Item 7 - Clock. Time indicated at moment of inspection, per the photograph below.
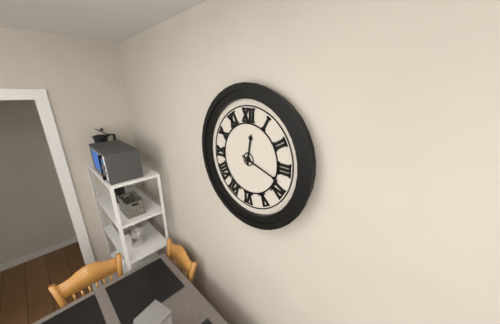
12:18
